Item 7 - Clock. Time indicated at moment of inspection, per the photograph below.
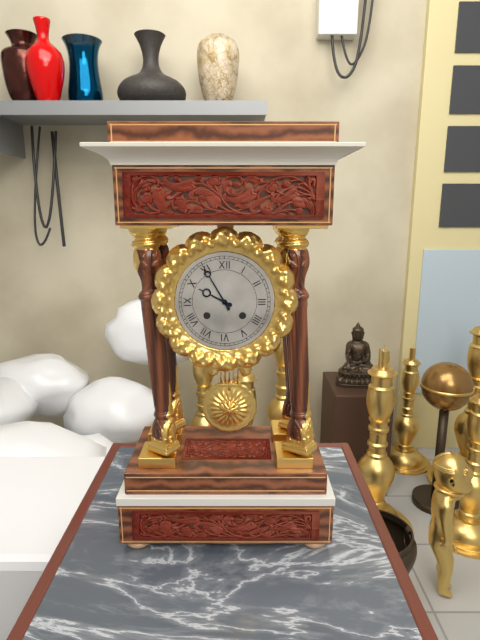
9:55
